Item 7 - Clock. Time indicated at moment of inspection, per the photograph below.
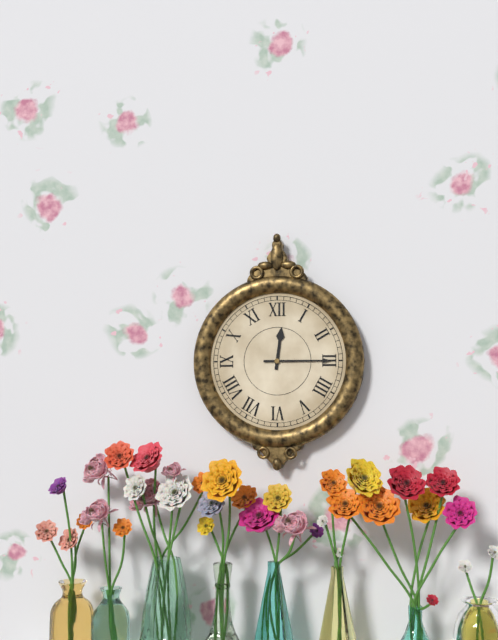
12:15
